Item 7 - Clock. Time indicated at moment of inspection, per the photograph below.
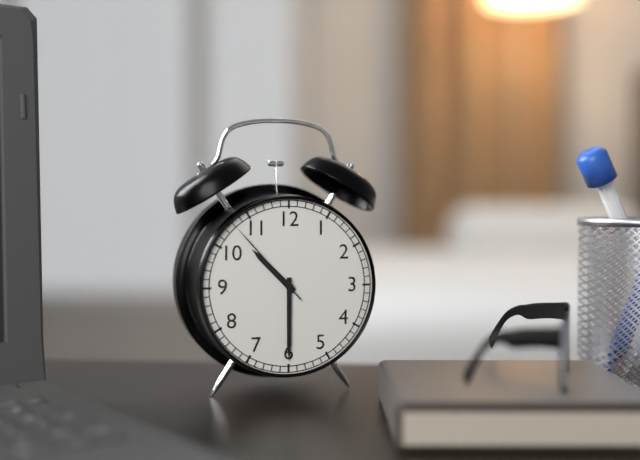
10:30:53
